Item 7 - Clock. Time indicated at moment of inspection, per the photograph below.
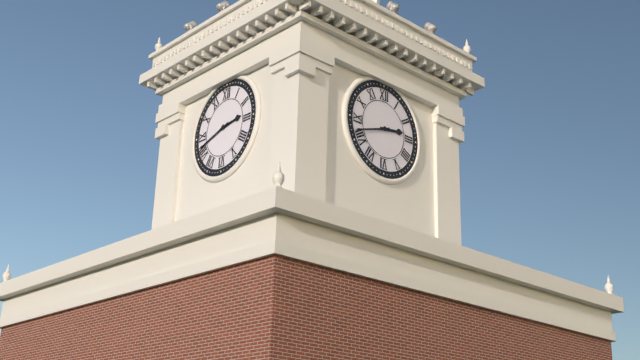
2:42
